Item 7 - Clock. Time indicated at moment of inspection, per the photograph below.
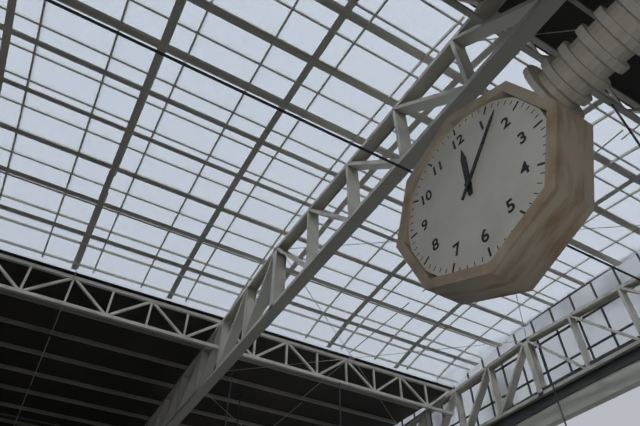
12:07
